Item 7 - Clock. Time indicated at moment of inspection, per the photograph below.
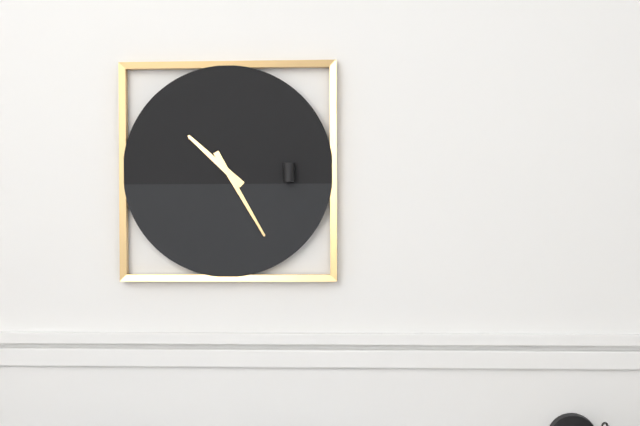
10:25
